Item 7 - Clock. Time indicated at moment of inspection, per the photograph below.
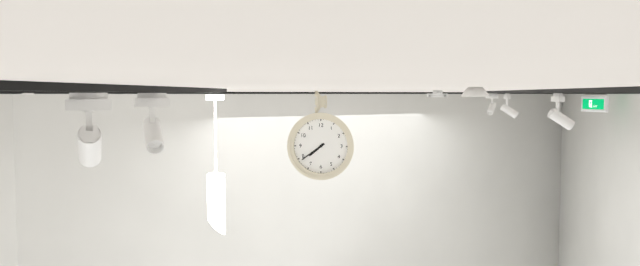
7:39
